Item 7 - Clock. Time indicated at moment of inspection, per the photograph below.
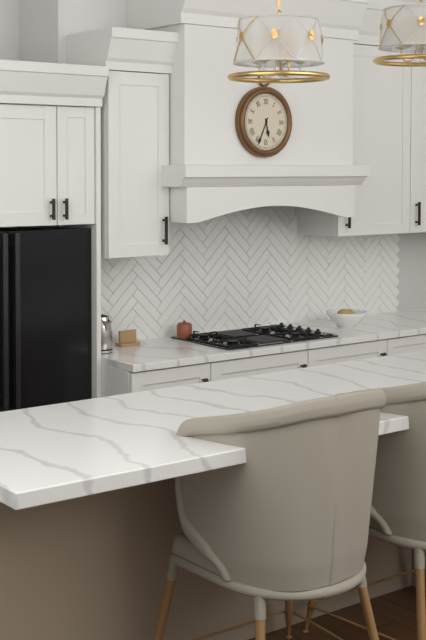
5:34
